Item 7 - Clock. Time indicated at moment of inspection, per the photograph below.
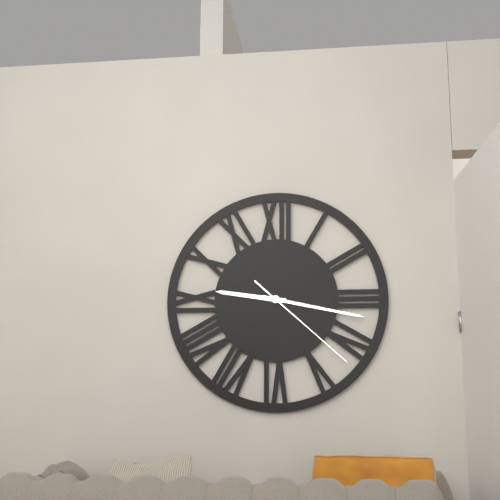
9:17:22
